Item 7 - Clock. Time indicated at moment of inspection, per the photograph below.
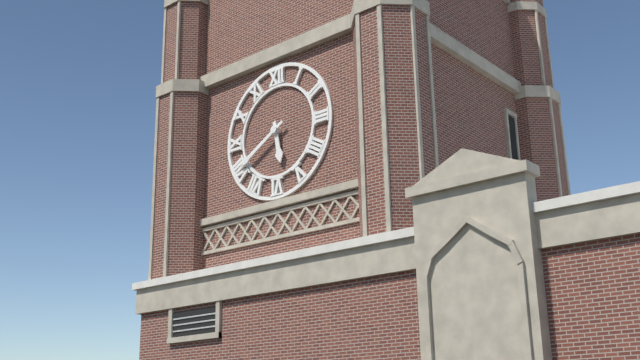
5:40
